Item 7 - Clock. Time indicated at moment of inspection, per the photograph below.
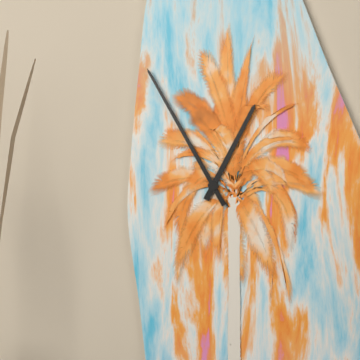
12:55
